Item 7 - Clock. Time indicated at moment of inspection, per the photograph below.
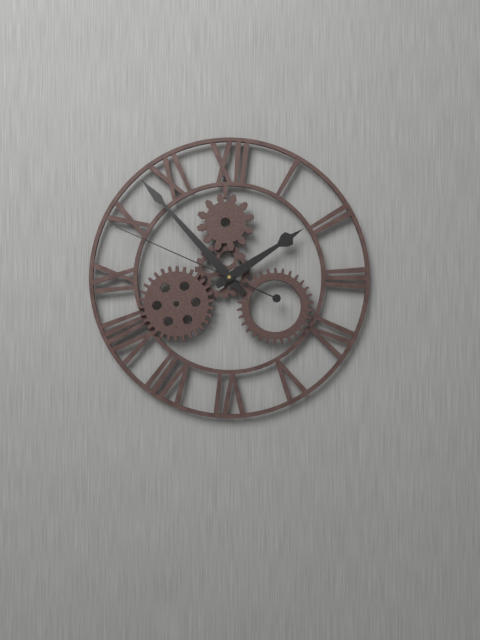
1:53:49
